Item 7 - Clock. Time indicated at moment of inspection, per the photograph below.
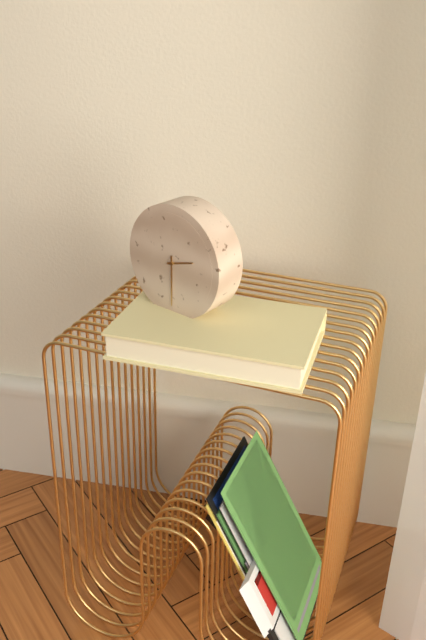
2:30
